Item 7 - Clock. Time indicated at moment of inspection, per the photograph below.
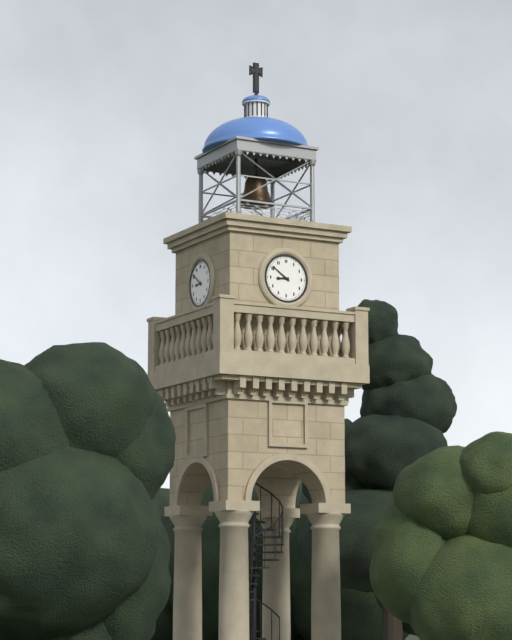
8:51
